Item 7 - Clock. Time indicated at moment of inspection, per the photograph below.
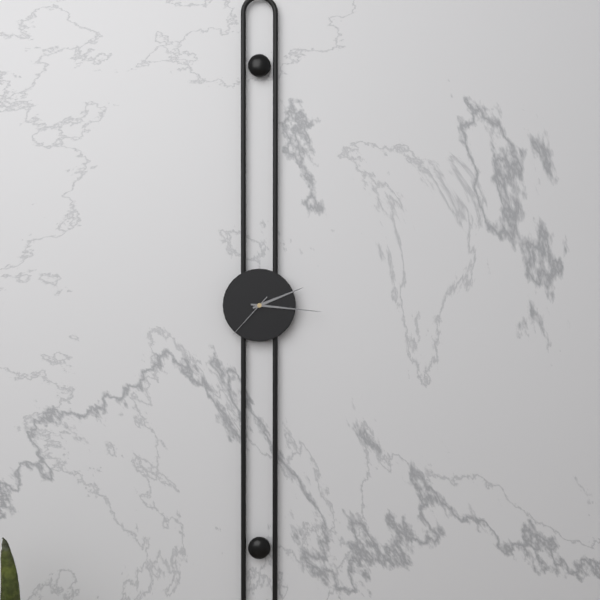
2:16:37
